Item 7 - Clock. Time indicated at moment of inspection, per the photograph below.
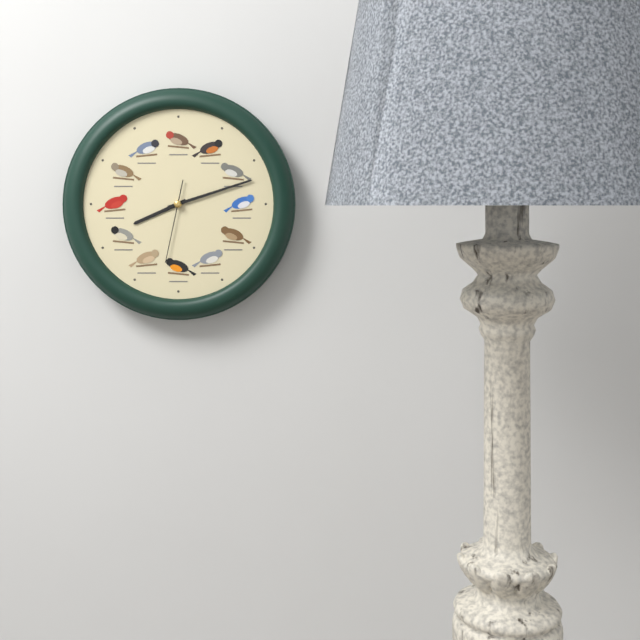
8:12:32
